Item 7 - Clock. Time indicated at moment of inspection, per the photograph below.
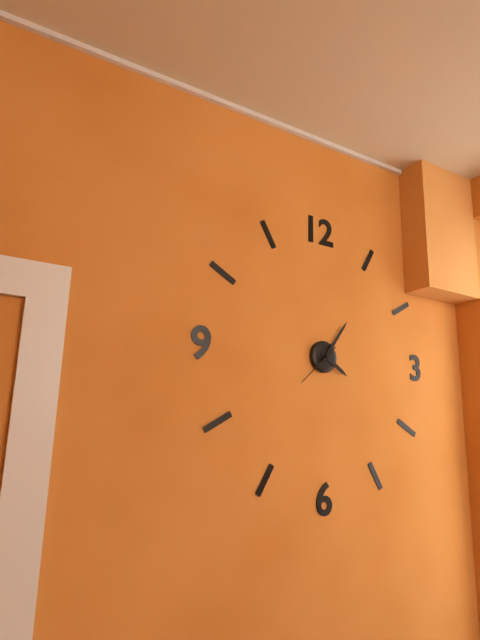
4:06
